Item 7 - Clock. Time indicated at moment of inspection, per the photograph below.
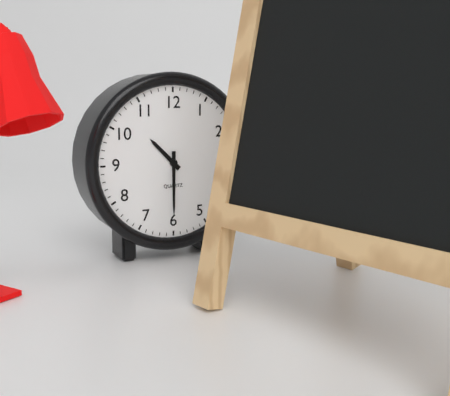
10:30
